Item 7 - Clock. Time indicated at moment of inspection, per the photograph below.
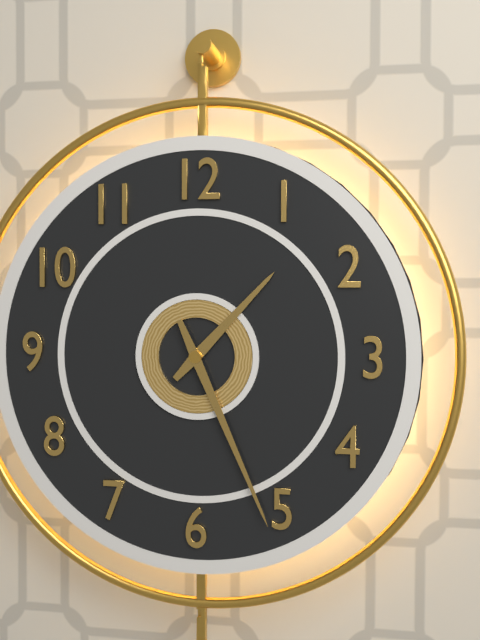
1:26
